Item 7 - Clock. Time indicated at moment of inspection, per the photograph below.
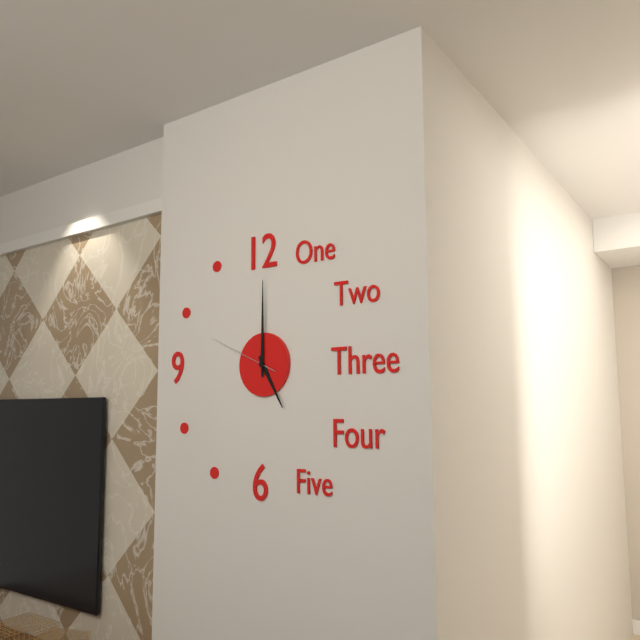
5:00:49
